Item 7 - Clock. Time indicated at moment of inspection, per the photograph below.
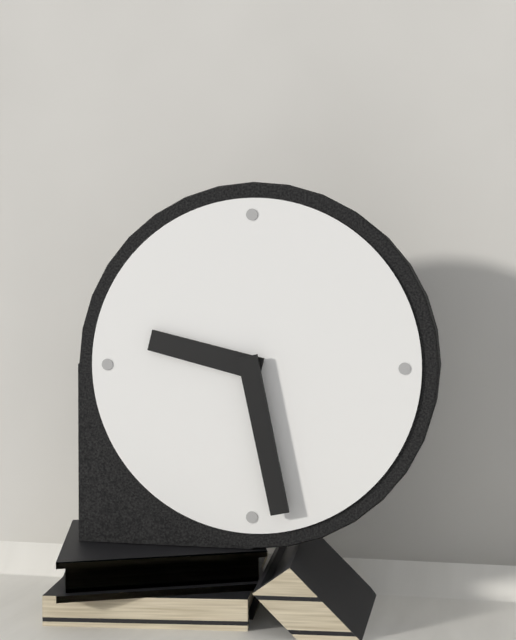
9:28
